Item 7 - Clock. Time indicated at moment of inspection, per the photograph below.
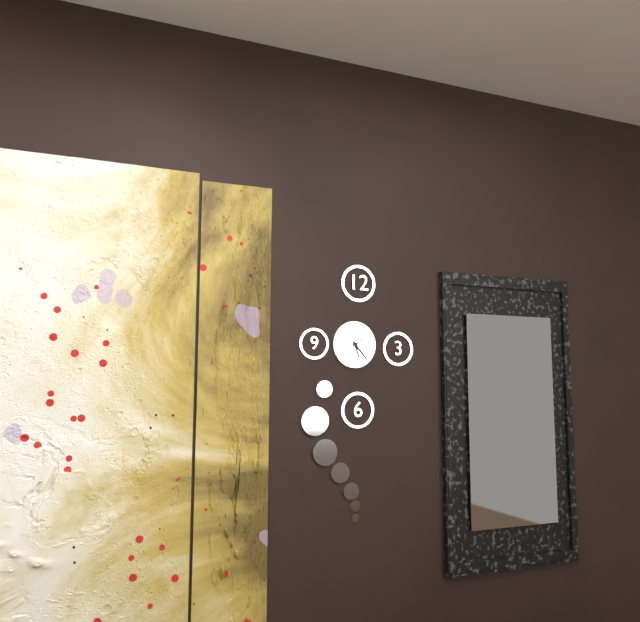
5:23
